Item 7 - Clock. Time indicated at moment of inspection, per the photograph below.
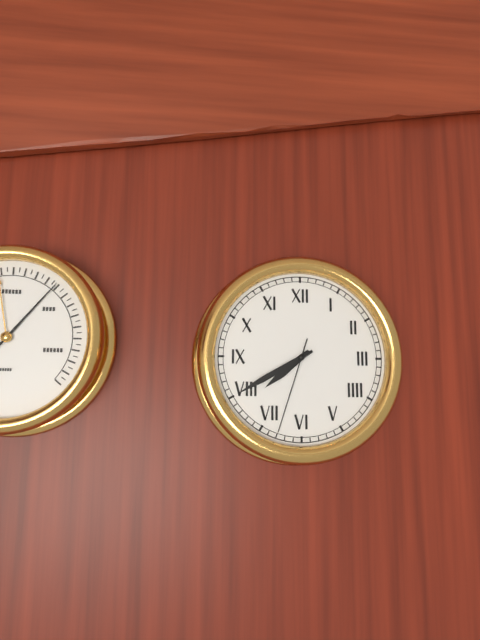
7:40:33
